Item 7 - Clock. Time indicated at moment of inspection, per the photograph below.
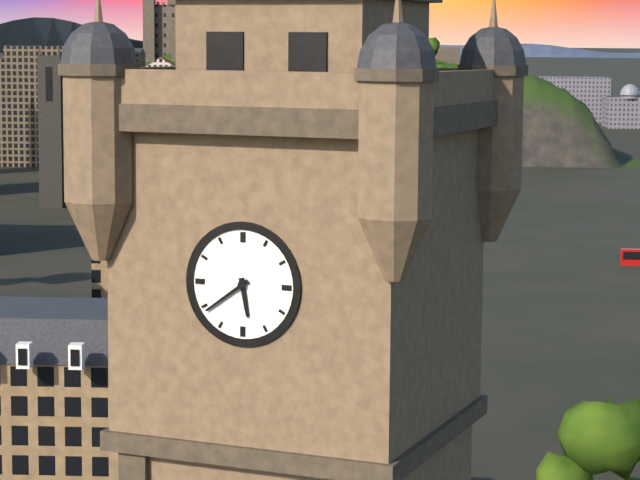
5:39
